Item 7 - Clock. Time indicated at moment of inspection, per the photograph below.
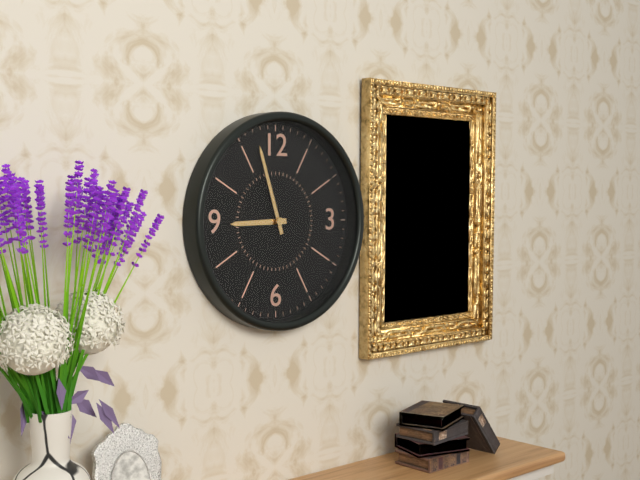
8:57
